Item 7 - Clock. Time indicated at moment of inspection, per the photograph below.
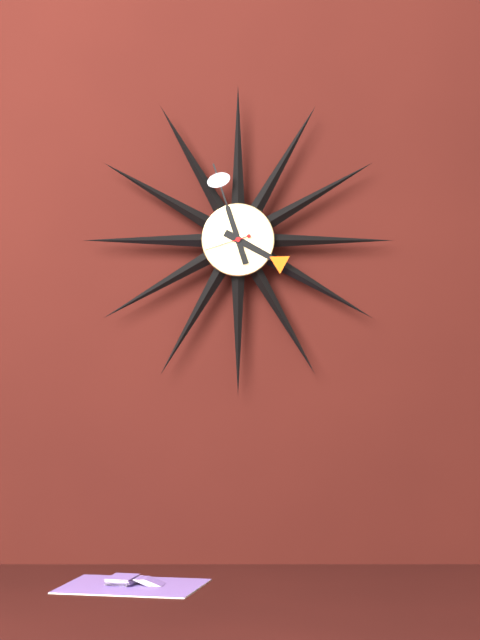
3:57
